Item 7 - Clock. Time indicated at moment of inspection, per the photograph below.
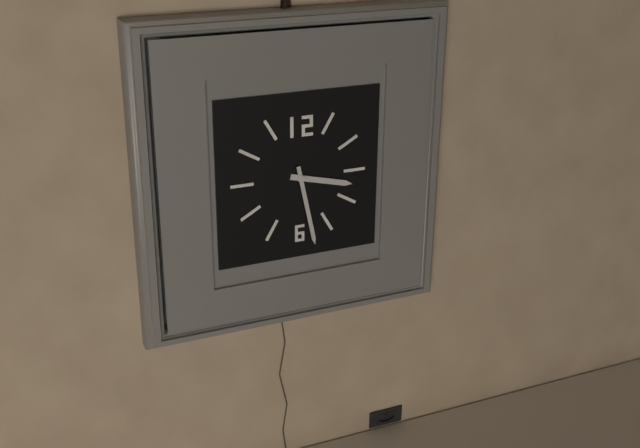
3:28
